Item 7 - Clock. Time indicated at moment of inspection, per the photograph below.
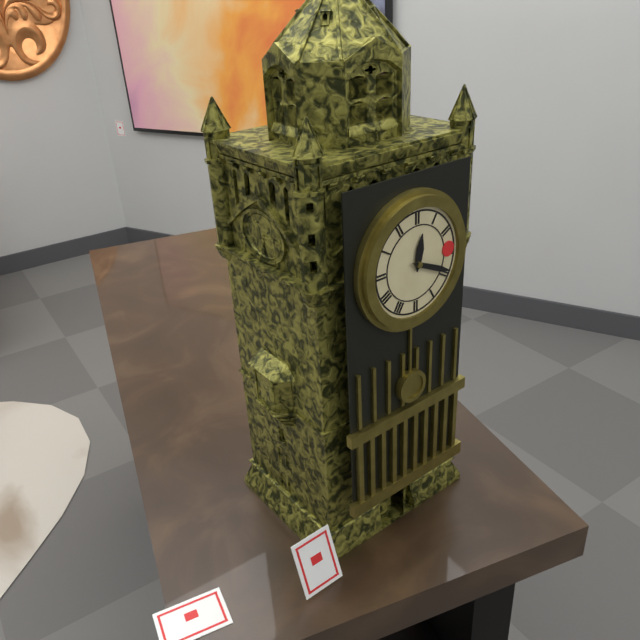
12:19
